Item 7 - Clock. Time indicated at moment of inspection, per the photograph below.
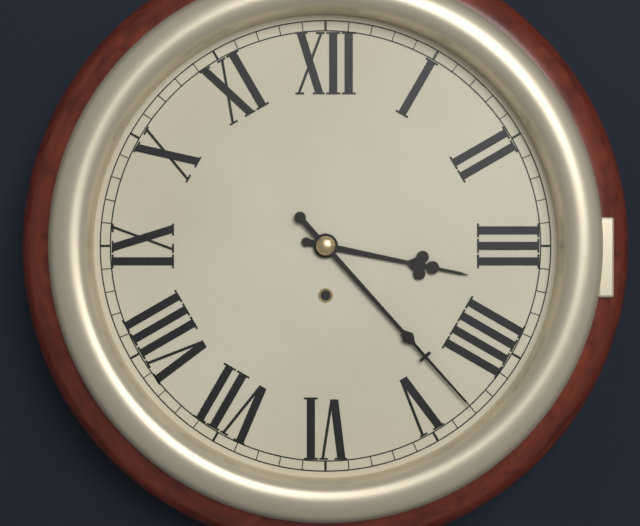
3:23
